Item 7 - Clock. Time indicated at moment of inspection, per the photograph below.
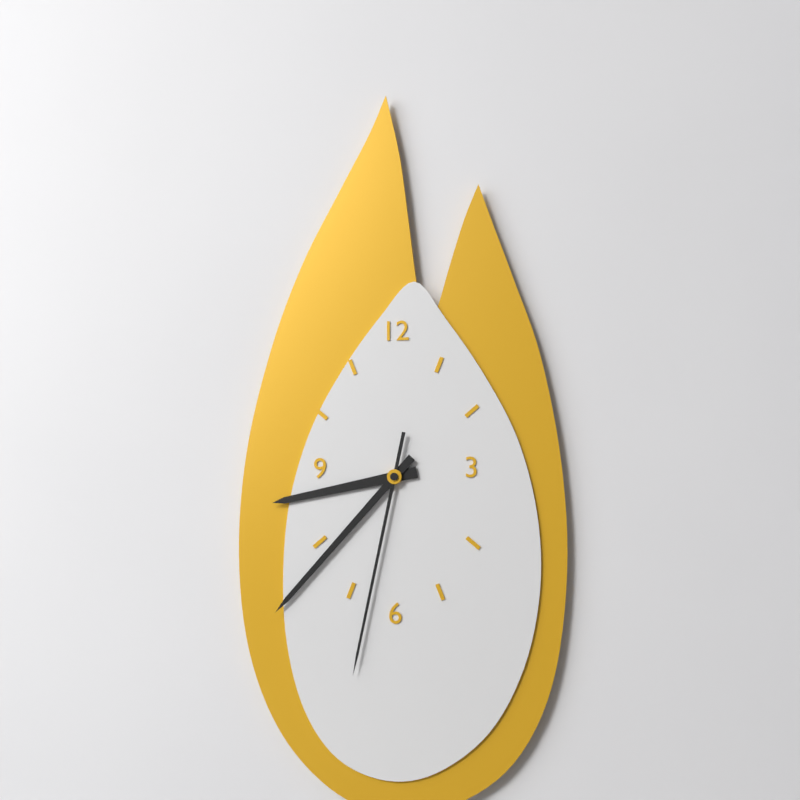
8:37:32
